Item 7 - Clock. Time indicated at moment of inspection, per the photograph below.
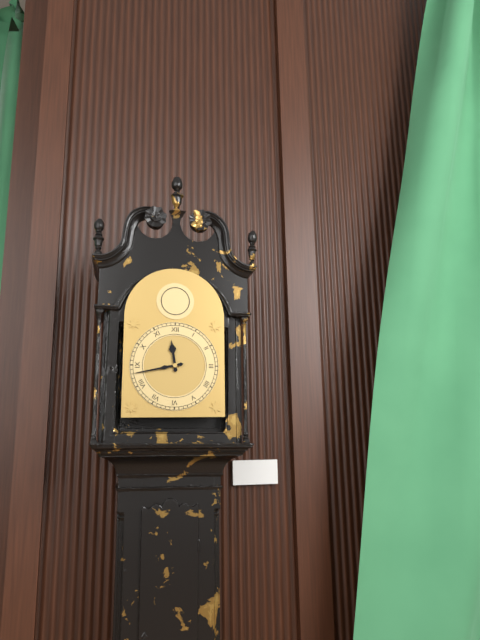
11:43
